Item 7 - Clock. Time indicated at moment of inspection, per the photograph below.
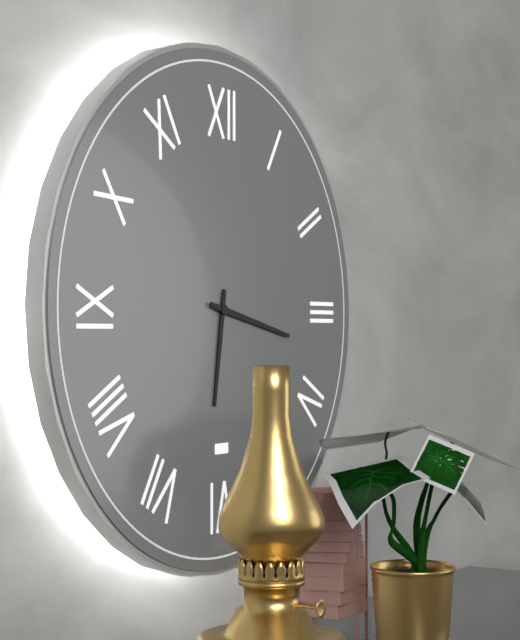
6:17
